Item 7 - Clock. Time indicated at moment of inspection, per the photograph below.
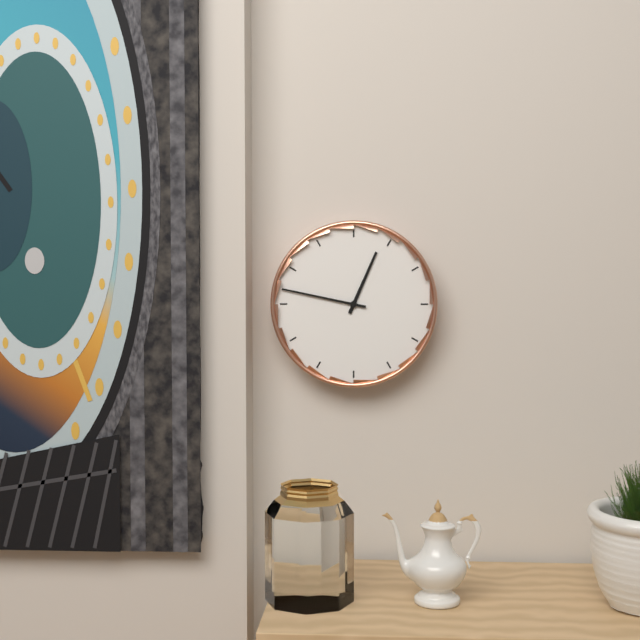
12:47
